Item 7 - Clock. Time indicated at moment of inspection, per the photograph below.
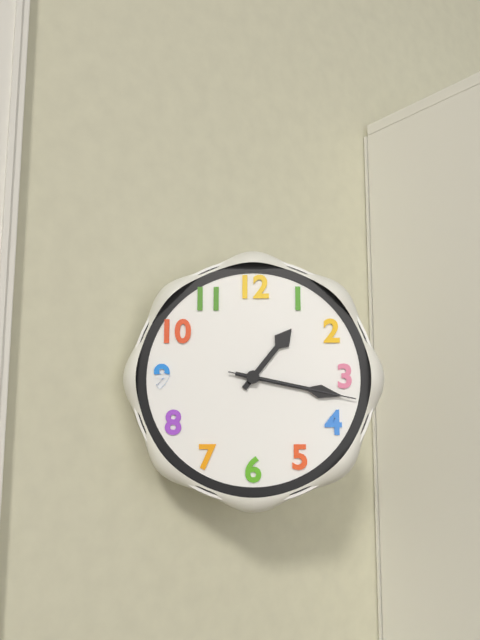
1:17:17
